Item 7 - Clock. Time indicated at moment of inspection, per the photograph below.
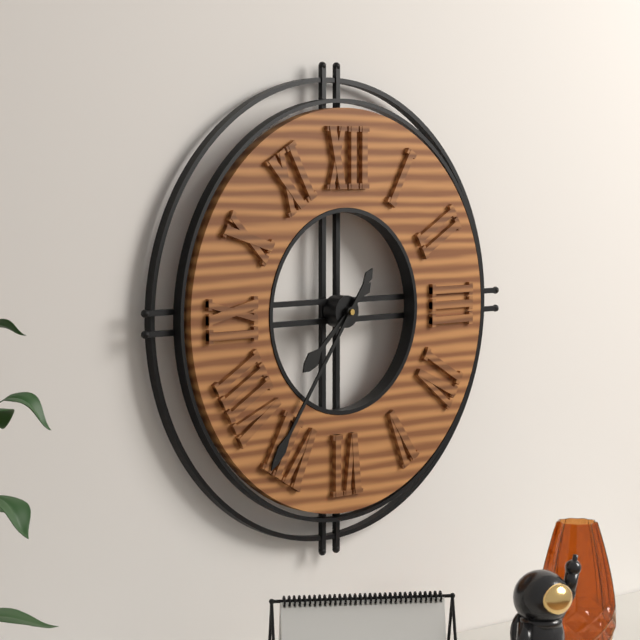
7:36
